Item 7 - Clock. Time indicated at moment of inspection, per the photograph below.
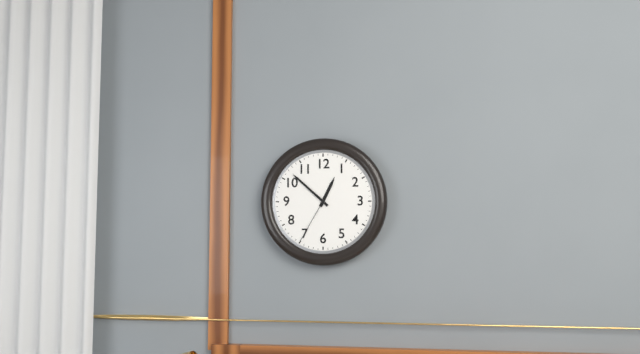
12:52:35
